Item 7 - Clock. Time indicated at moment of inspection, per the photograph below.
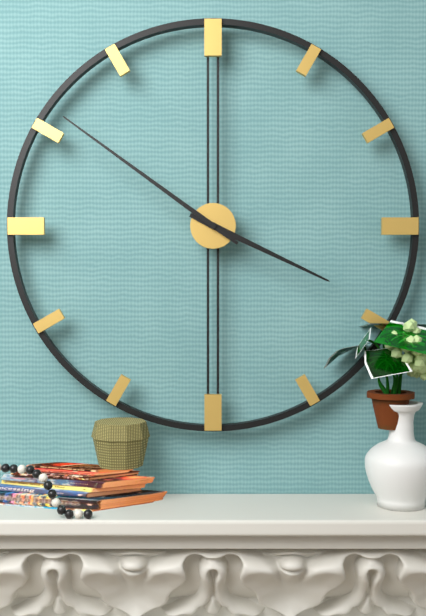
3:51
